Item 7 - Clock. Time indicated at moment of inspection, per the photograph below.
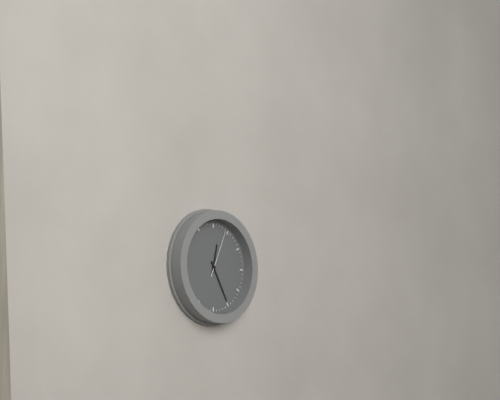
12:25
